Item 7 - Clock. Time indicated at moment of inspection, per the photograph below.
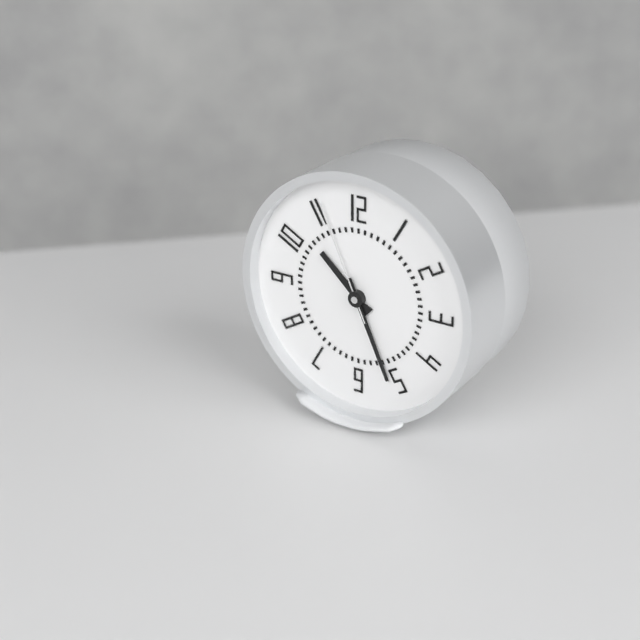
10:26:56
